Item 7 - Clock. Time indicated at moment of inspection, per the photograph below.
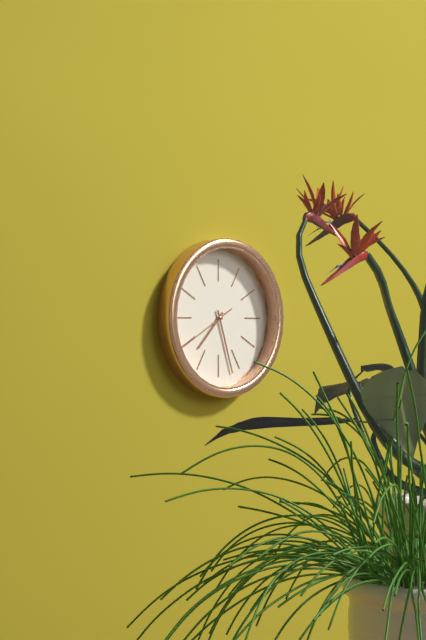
7:27:40
